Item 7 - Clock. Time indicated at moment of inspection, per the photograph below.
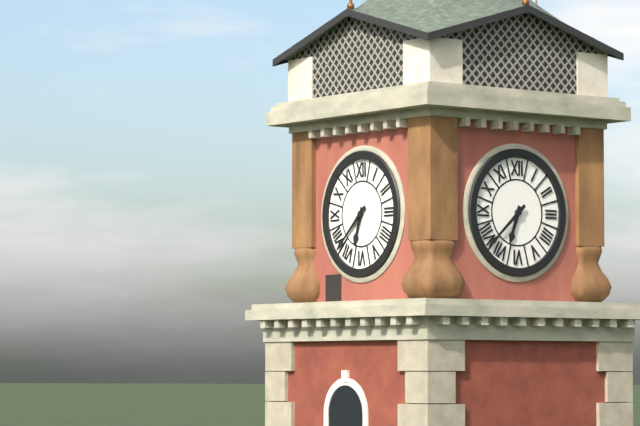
6:38
